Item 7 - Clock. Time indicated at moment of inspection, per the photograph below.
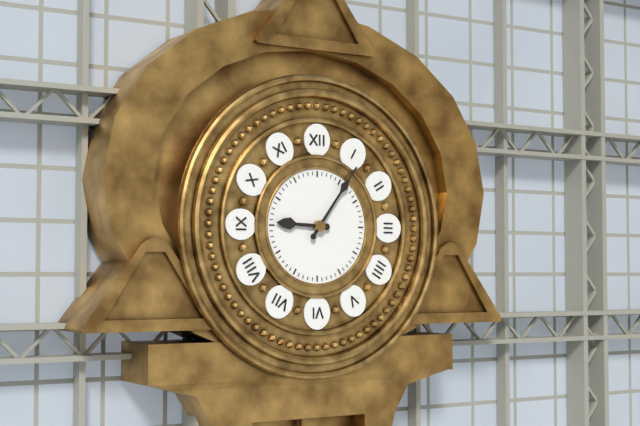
9:06
